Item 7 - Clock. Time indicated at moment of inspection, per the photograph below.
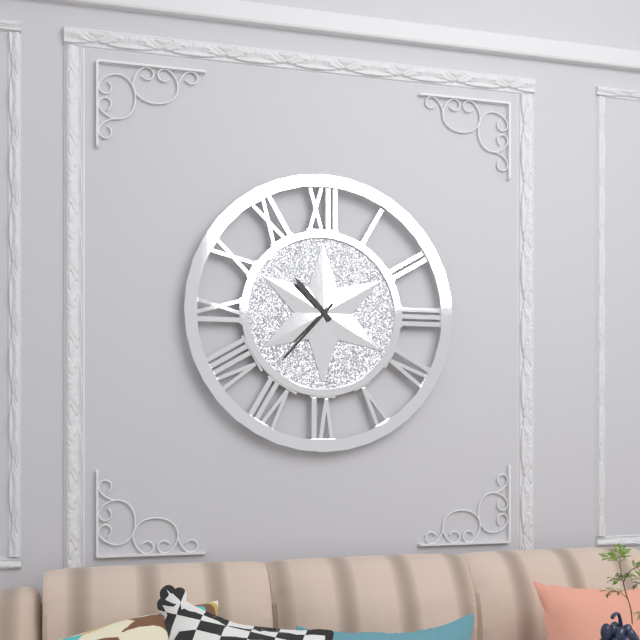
10:37
